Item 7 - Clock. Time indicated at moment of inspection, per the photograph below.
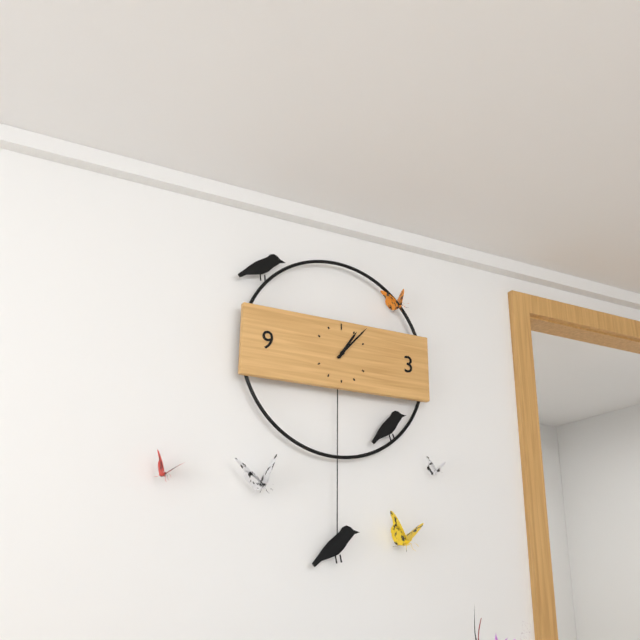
1:07
